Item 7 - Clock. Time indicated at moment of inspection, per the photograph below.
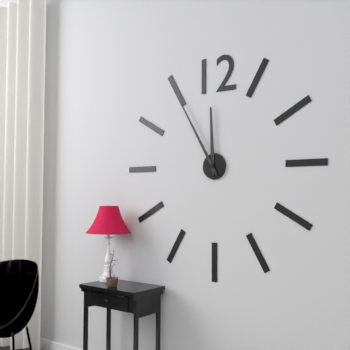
11:55
